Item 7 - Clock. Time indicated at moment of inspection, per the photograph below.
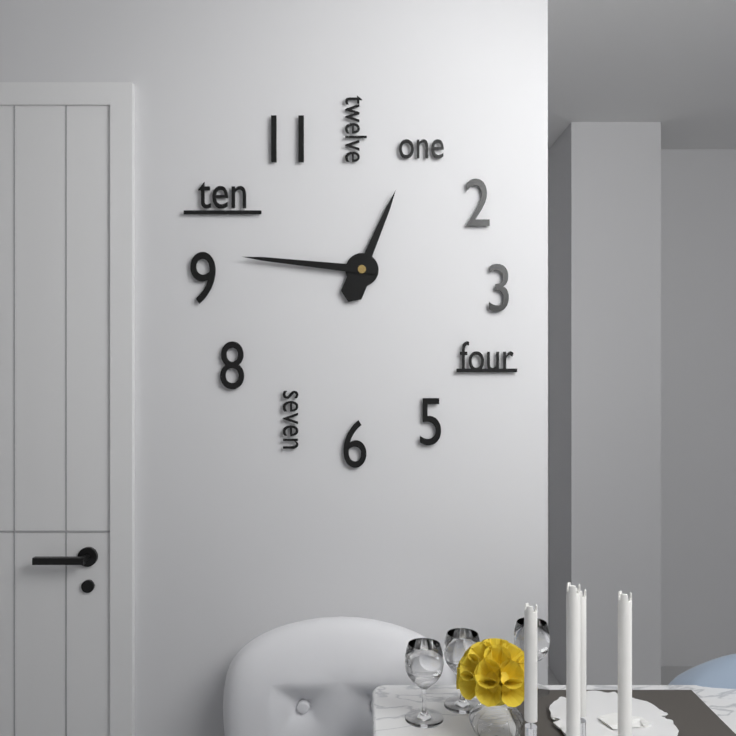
12:46
